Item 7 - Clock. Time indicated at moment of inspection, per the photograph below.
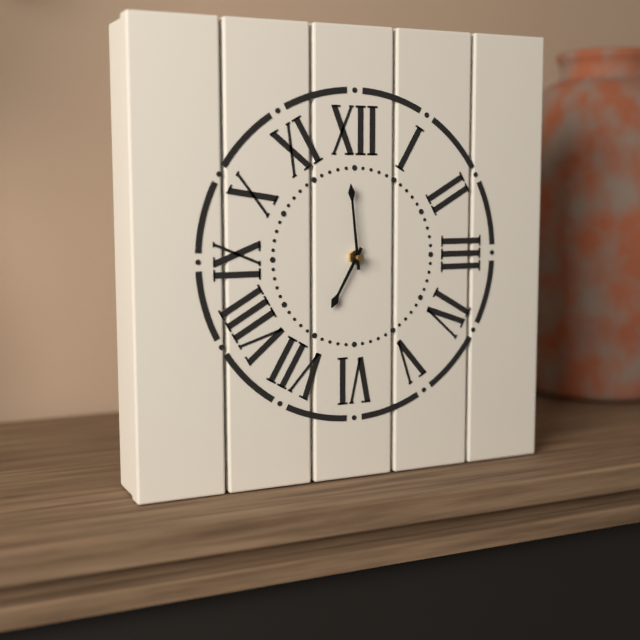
6:59
